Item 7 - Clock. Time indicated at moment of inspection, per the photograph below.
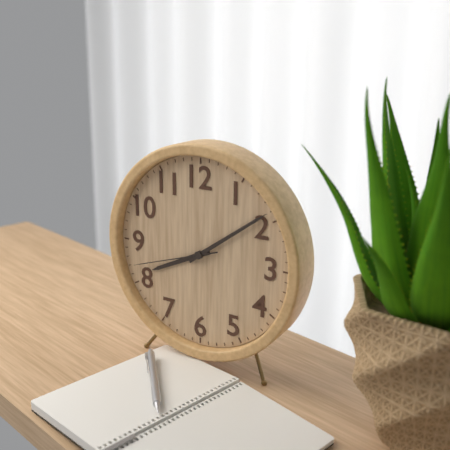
8:09:42
